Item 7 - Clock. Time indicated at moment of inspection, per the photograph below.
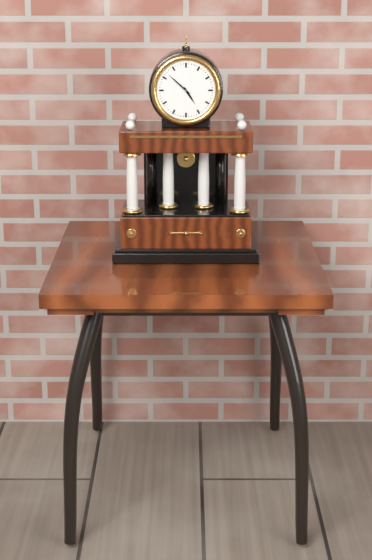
4:52
